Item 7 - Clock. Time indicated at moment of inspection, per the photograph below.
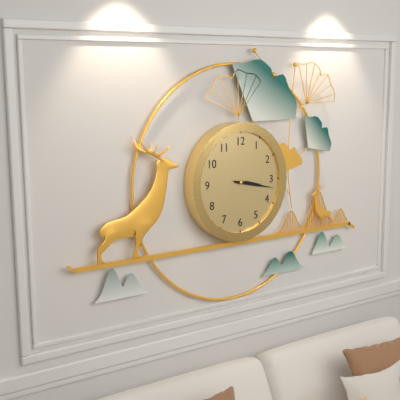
3:17
